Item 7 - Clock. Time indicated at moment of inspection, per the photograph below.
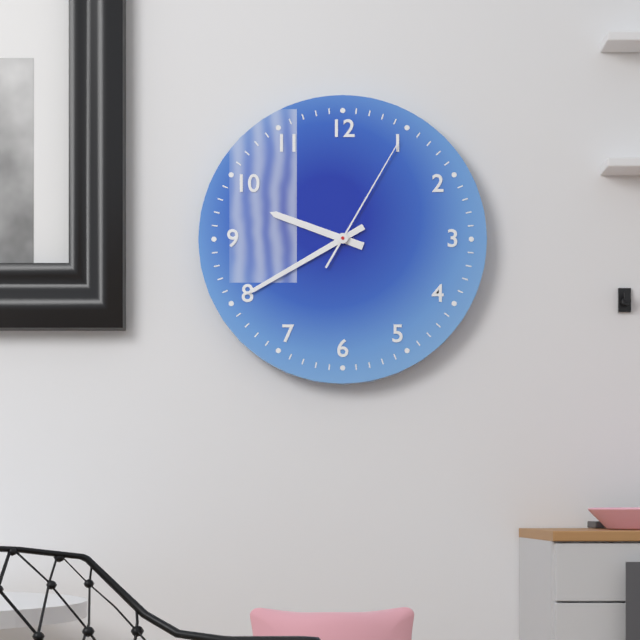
9:40:05
